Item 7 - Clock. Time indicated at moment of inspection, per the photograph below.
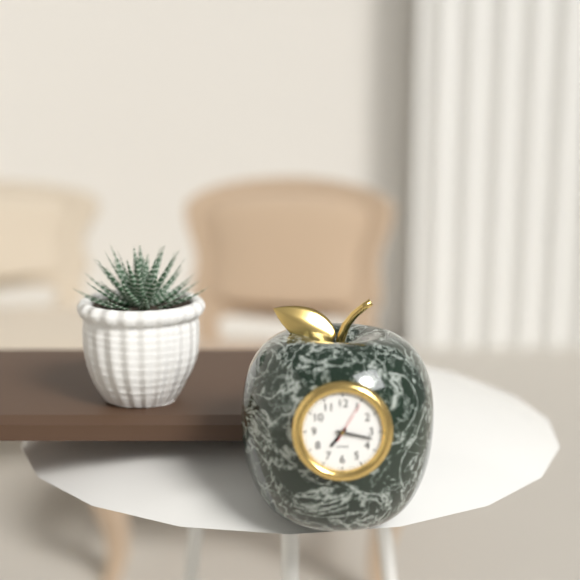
7:17
